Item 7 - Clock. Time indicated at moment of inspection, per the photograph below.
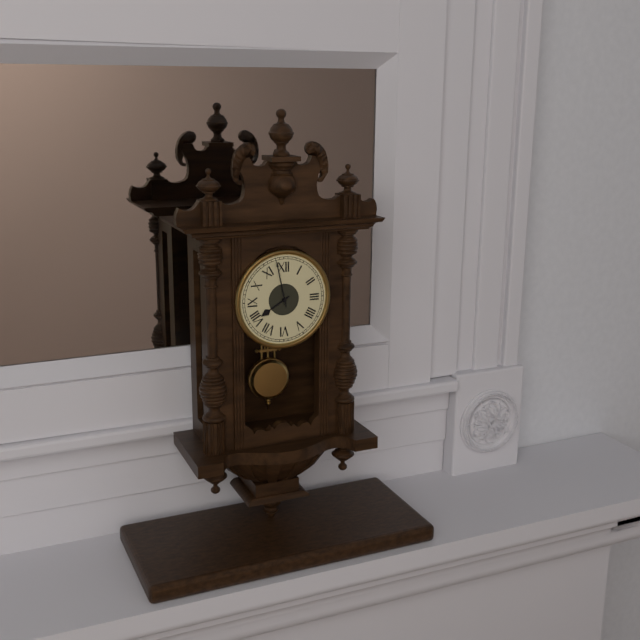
7:58
